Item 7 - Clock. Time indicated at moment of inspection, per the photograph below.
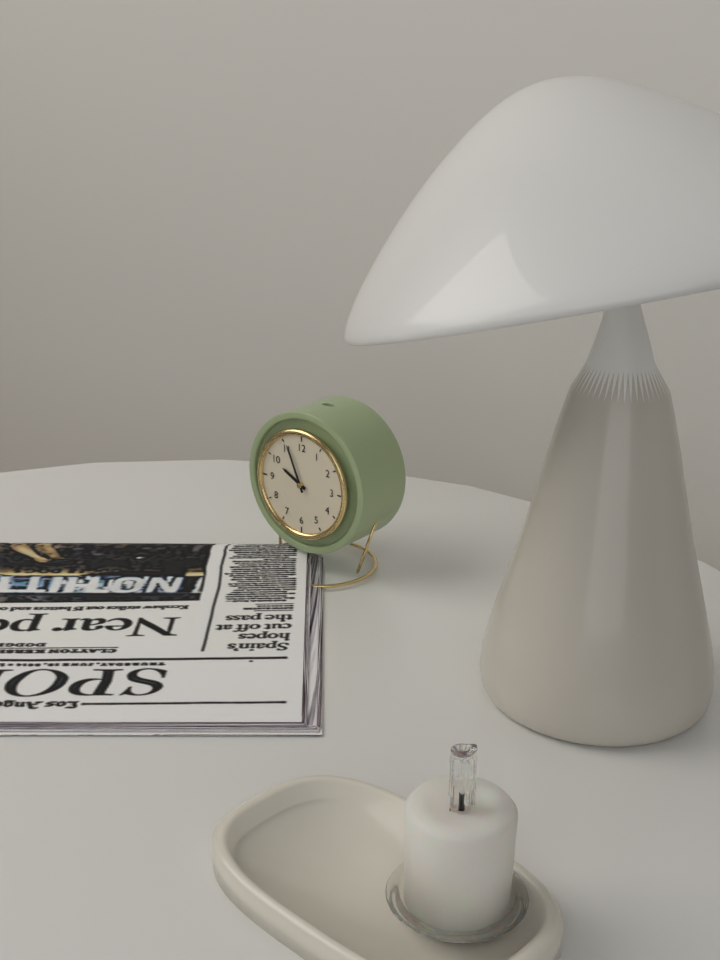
9:56
